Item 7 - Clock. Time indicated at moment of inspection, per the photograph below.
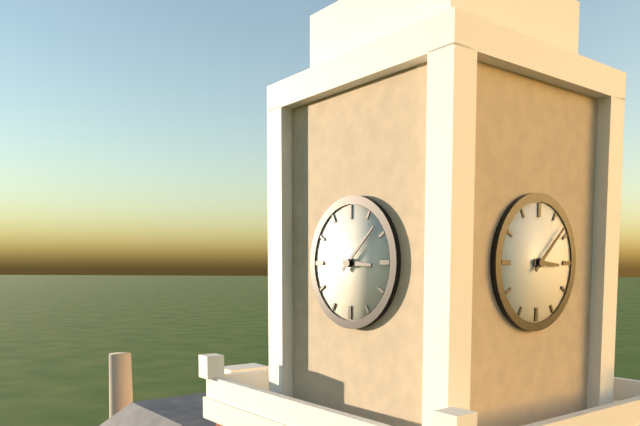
3:08
